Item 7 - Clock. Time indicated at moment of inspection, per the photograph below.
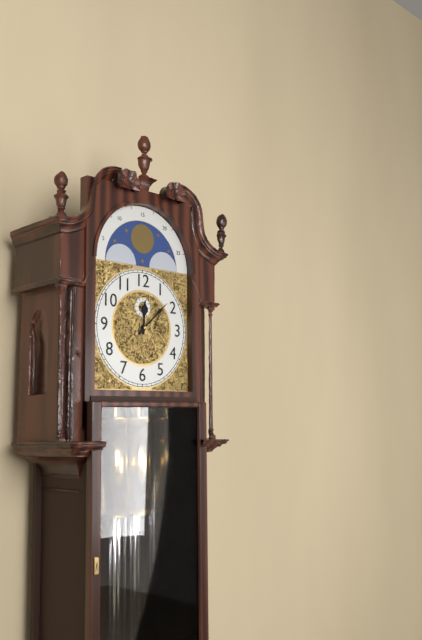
12:08
